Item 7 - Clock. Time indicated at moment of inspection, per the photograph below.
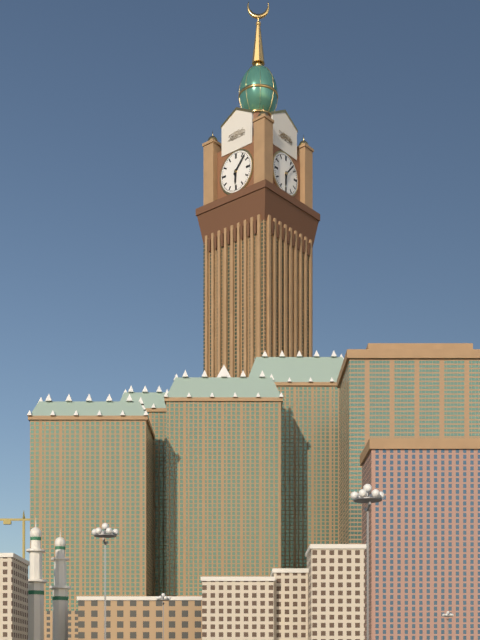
6:07
